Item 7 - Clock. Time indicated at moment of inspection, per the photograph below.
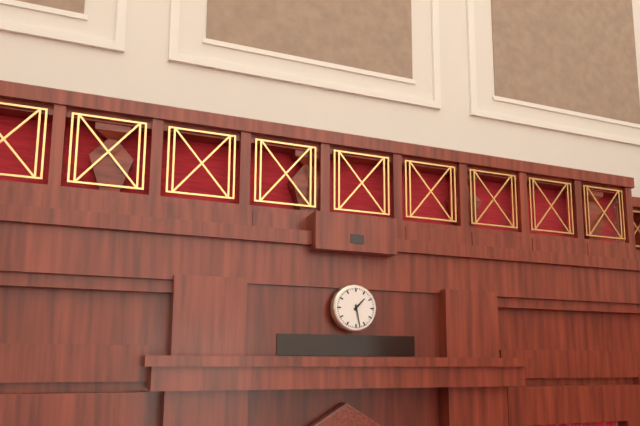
1:28
